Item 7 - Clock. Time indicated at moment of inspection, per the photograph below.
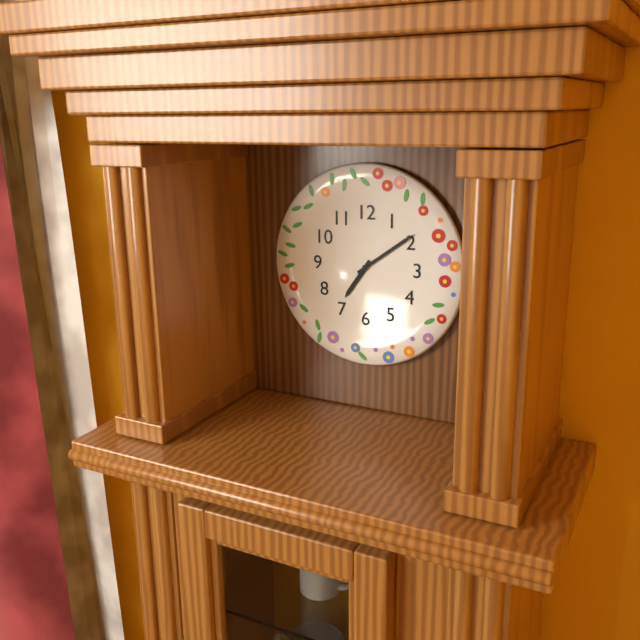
7:09
